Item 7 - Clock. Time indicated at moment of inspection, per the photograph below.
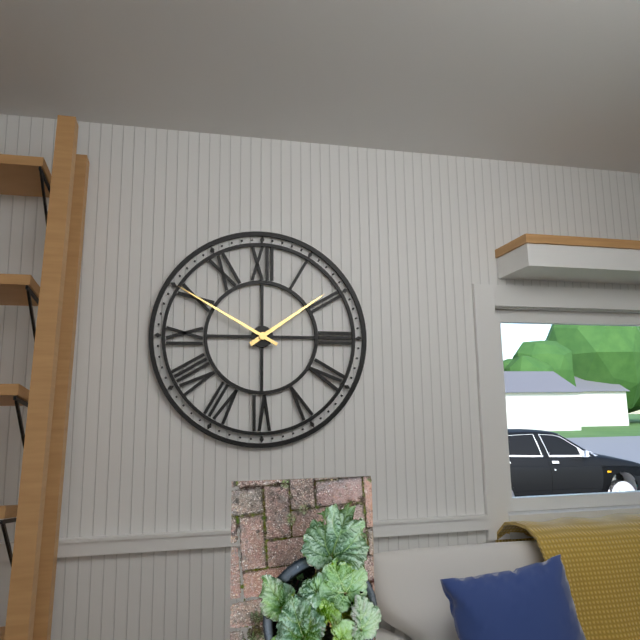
1:50
